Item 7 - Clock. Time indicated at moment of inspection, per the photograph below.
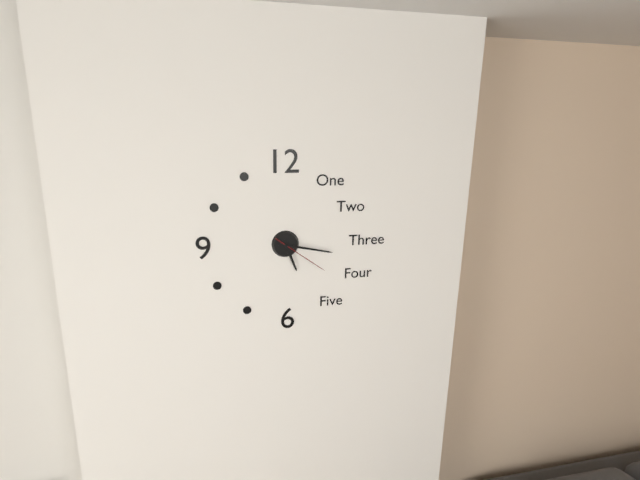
5:17:21
